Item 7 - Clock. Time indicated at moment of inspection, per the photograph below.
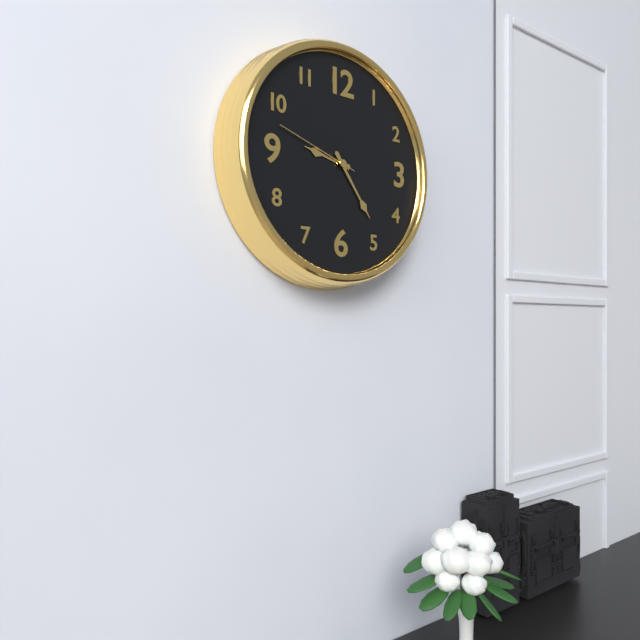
9:24:48
